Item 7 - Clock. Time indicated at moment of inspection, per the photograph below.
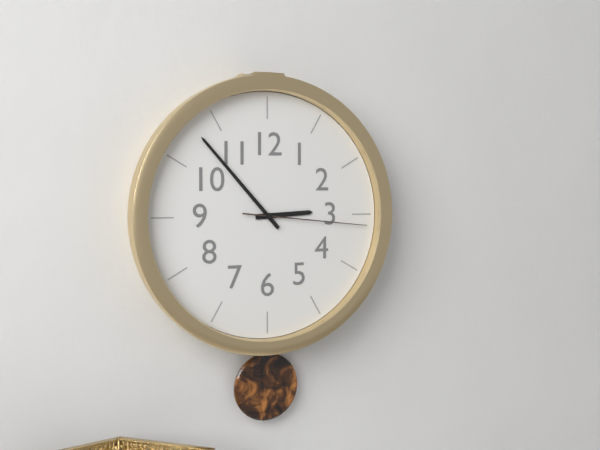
2:53:16
